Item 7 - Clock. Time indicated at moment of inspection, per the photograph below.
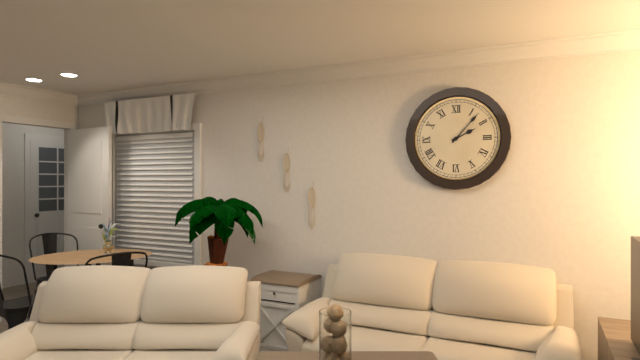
2:07
